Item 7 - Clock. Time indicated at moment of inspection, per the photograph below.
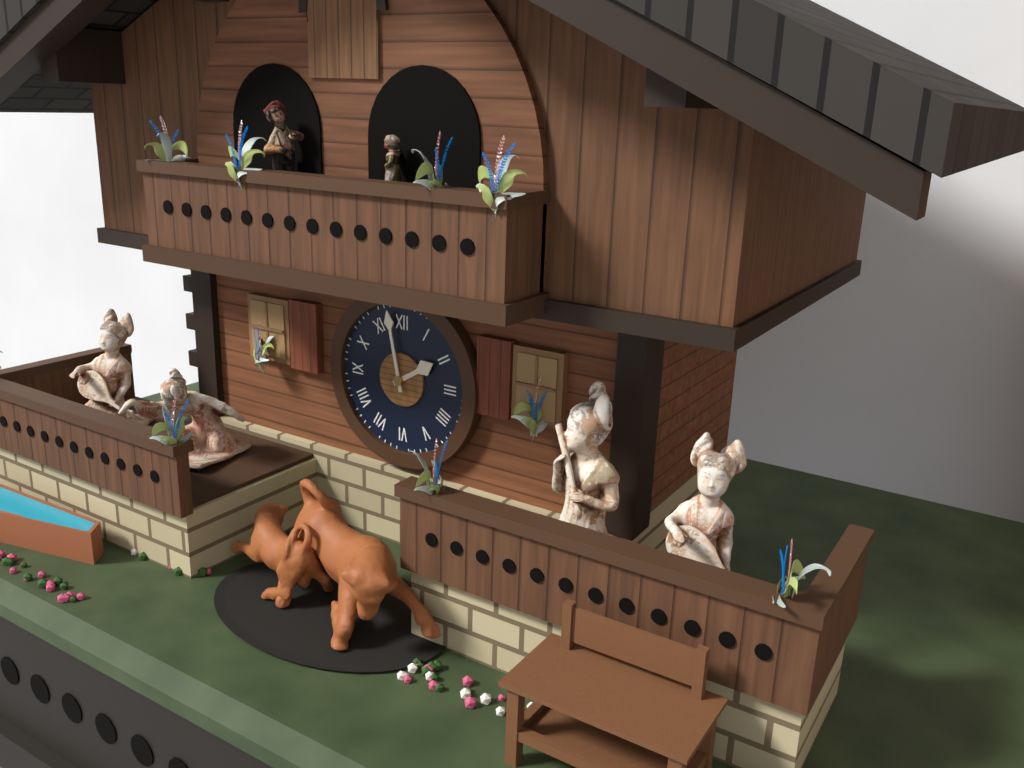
1:58
